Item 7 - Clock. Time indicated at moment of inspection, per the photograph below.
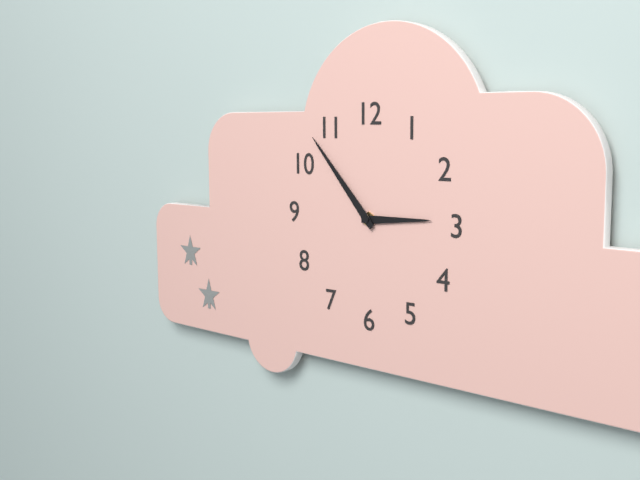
2:53
